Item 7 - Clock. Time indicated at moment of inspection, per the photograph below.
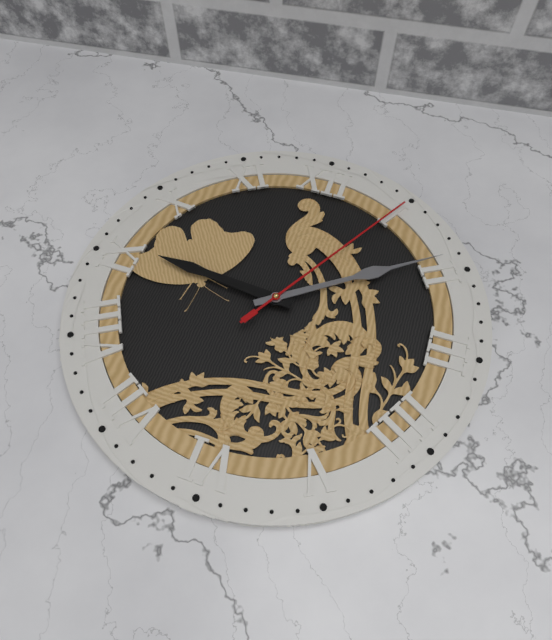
9:09:05
